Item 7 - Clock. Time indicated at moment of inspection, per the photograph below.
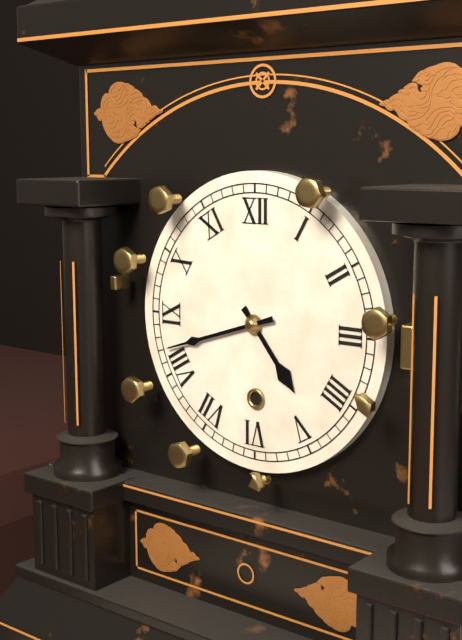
4:42
